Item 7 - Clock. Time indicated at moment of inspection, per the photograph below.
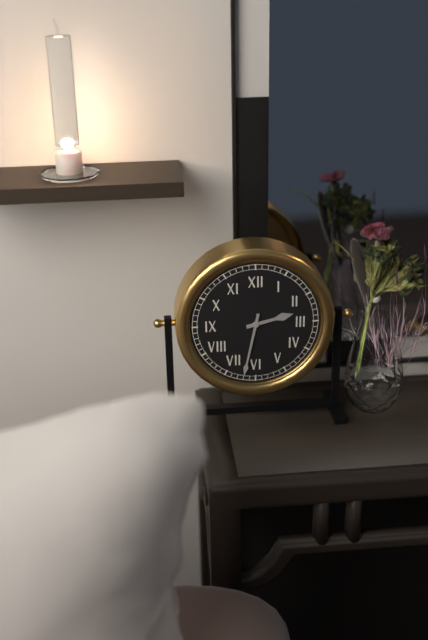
2:32
